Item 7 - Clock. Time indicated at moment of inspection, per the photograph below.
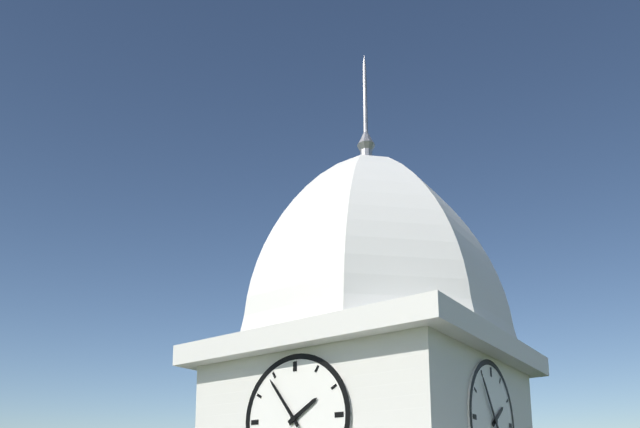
1:54
